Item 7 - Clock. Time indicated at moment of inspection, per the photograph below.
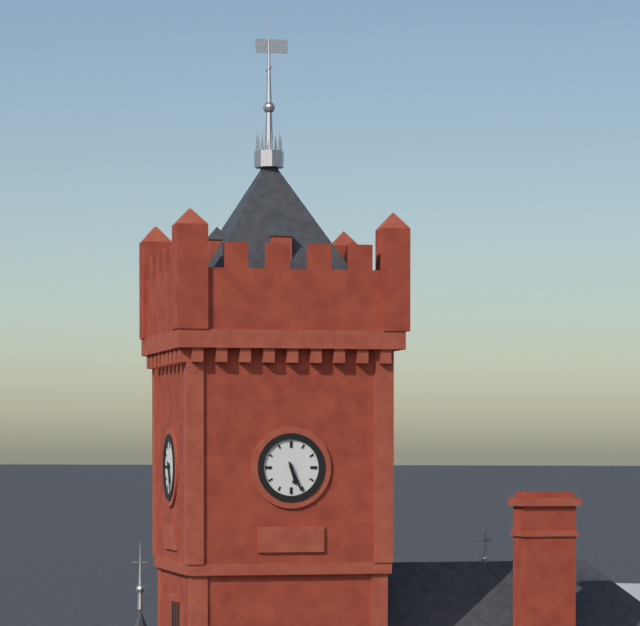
5:26
